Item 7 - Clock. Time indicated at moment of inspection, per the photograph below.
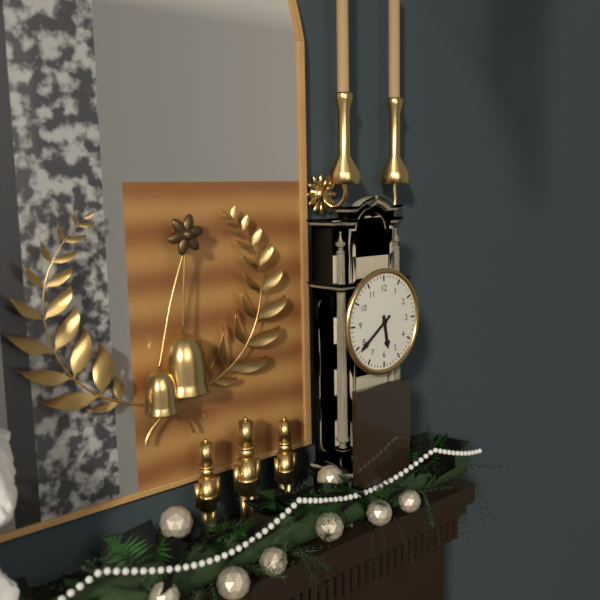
5:39
